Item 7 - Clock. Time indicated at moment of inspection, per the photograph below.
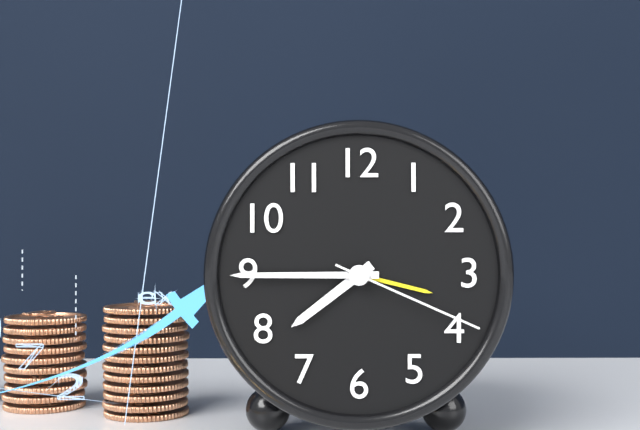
7:45:19
